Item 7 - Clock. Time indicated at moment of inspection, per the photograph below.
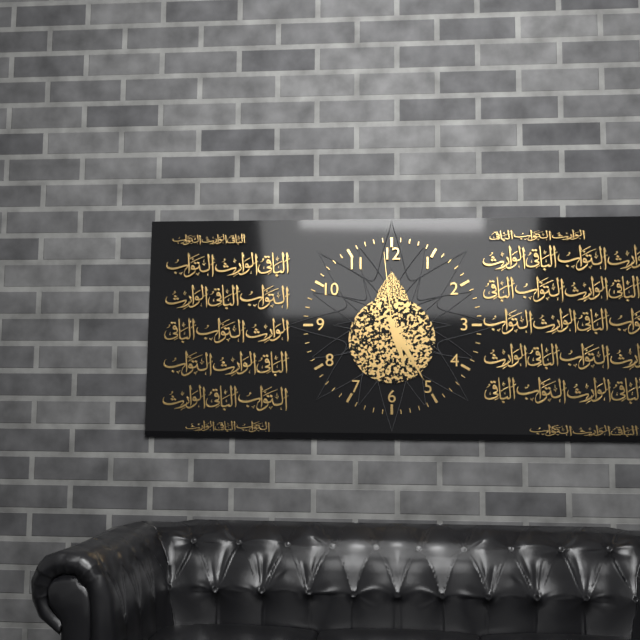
5:25:59
